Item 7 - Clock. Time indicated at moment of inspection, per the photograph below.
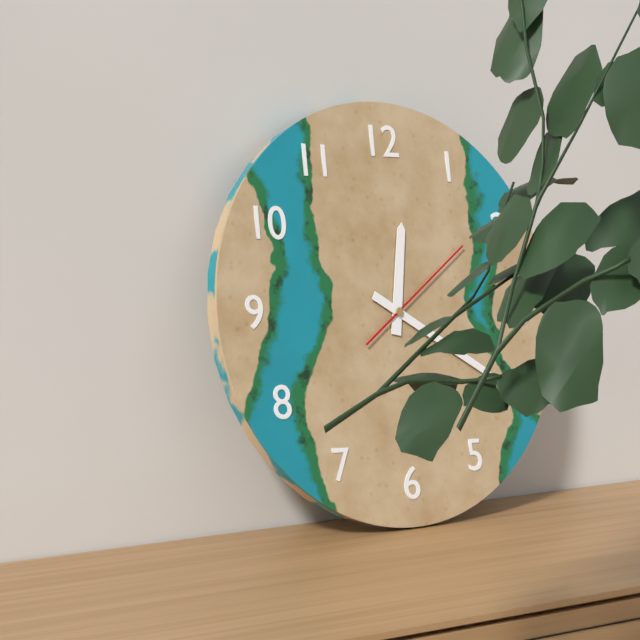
12:20:09
